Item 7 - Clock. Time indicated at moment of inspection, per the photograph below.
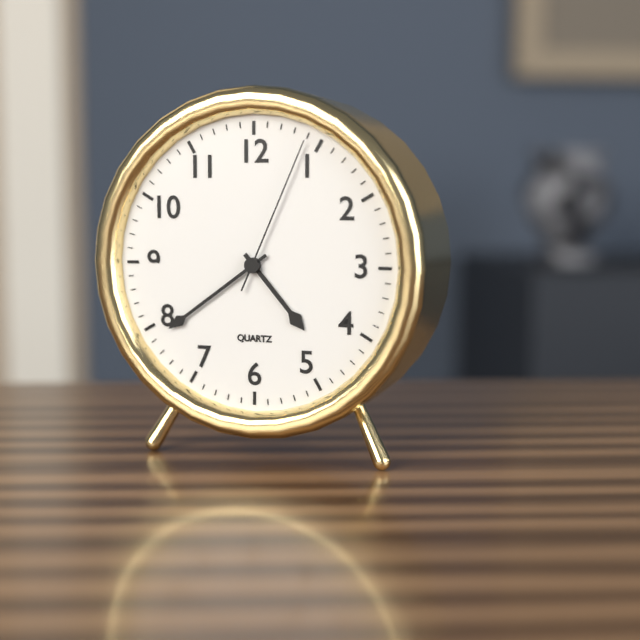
4:39:04
